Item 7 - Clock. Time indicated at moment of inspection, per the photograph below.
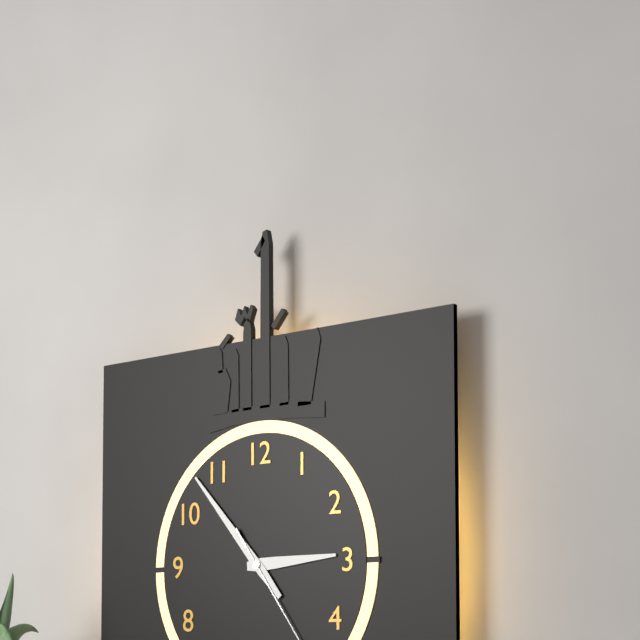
2:53
